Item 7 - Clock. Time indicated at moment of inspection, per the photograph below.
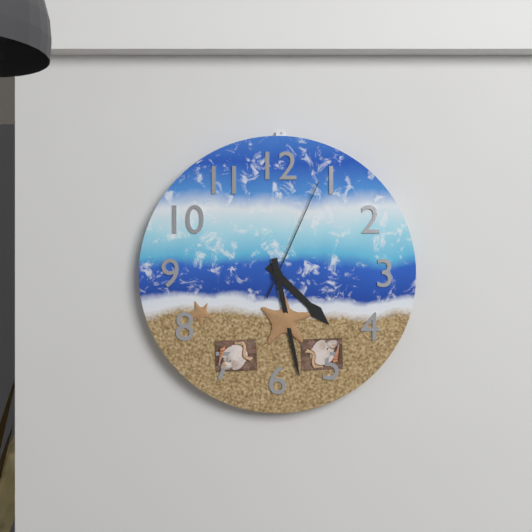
4:28:04
